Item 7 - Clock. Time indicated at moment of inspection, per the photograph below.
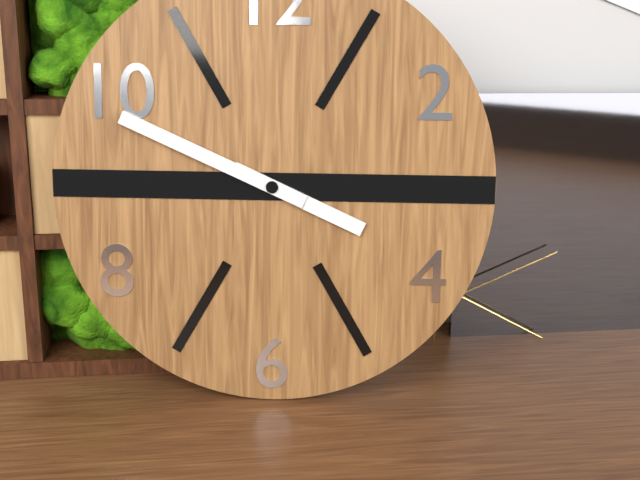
3:49
